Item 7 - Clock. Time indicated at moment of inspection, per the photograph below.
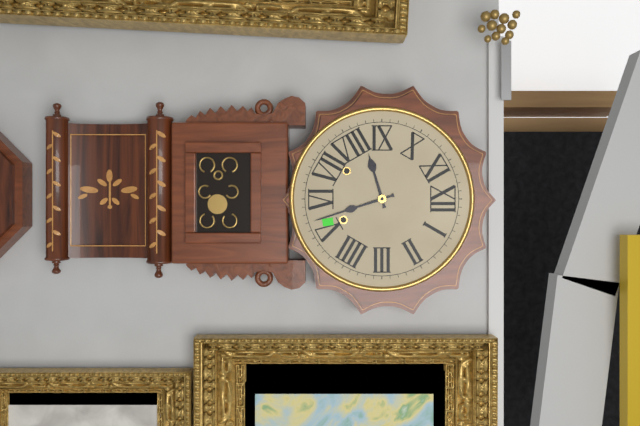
8:27
